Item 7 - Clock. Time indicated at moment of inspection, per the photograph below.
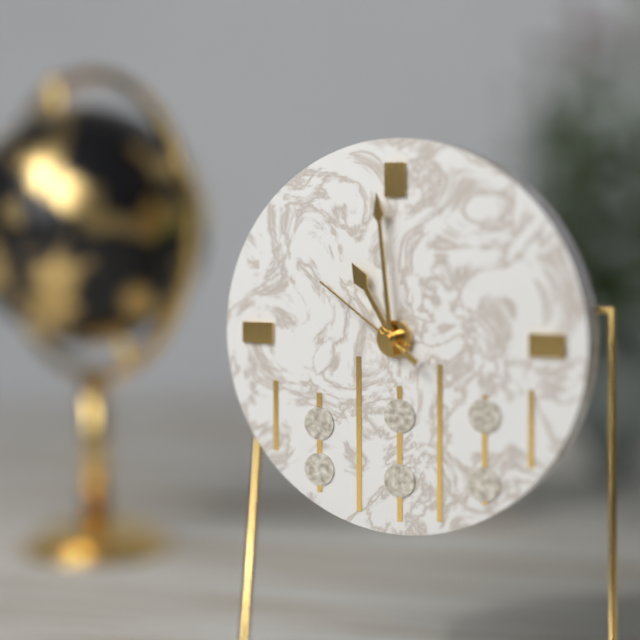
10:59:51
